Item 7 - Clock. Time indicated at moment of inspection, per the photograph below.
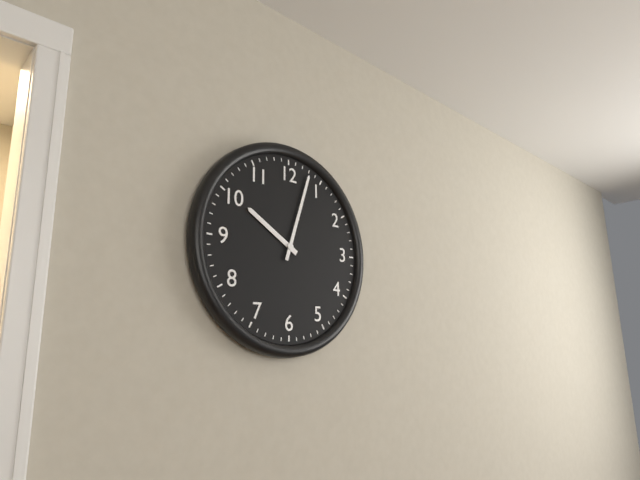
10:03
